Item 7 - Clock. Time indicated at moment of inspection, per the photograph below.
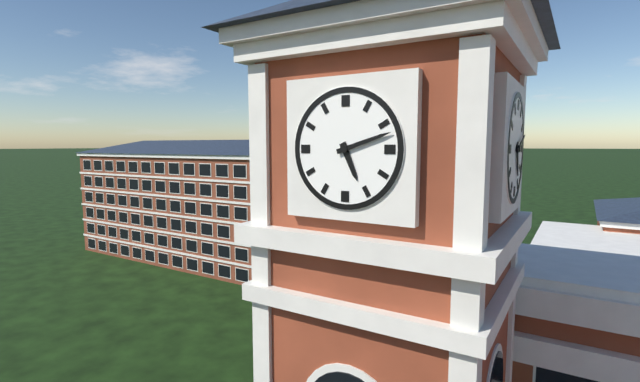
5:12
